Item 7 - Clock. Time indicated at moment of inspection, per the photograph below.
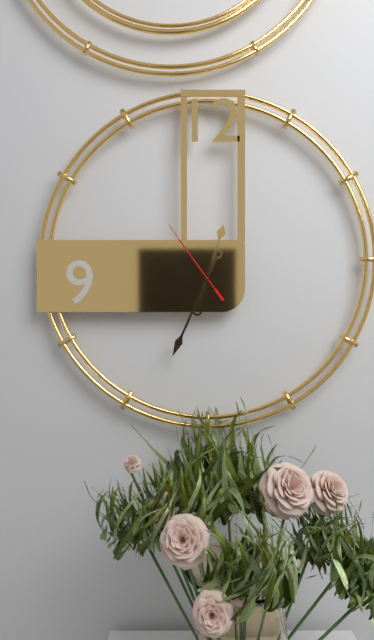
12:34:54
